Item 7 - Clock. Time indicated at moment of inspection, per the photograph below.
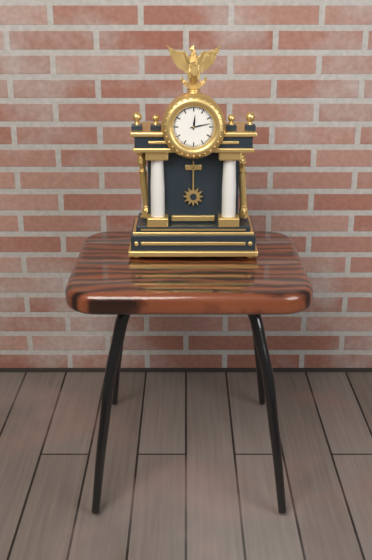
12:13
